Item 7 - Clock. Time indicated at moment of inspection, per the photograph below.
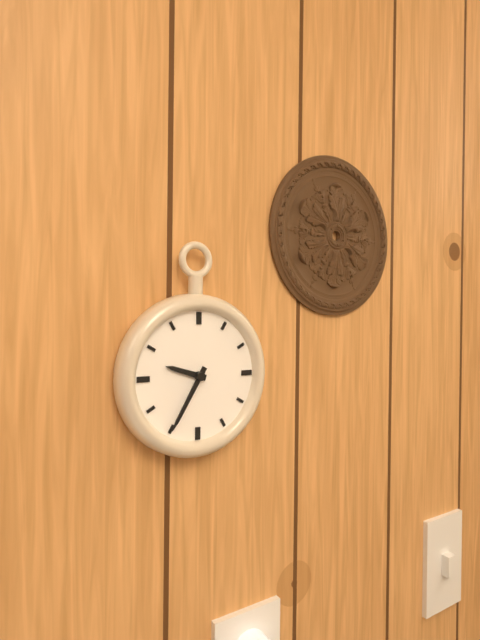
9:35
